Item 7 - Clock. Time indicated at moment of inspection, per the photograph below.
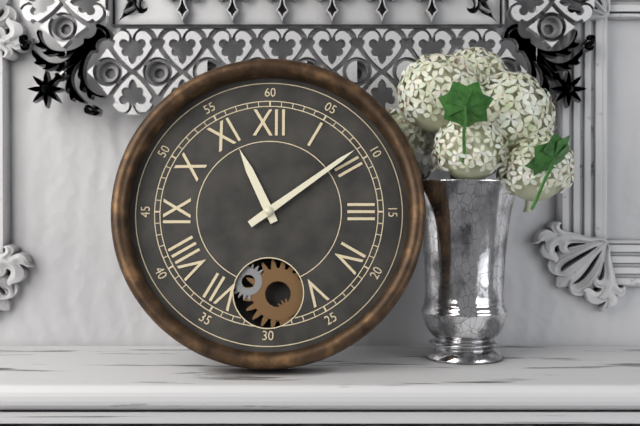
11:09
